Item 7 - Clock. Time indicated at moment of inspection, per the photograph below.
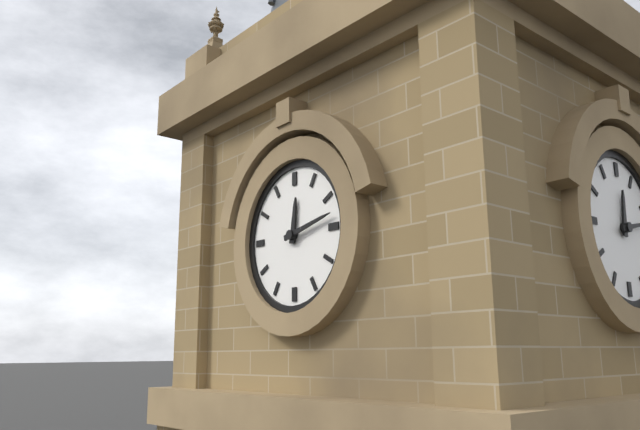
12:13
